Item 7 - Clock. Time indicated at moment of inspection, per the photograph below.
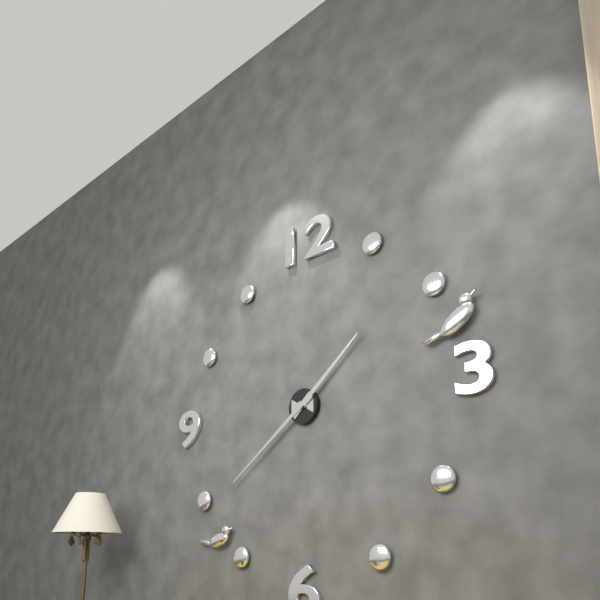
1:39
